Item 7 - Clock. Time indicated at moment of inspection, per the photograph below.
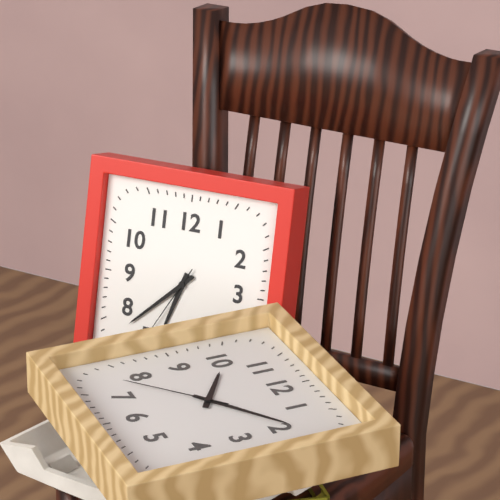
6:38:35
